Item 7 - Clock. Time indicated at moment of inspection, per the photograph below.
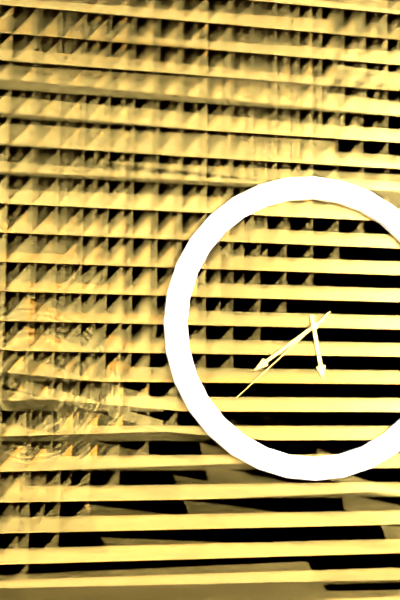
5:39:38
